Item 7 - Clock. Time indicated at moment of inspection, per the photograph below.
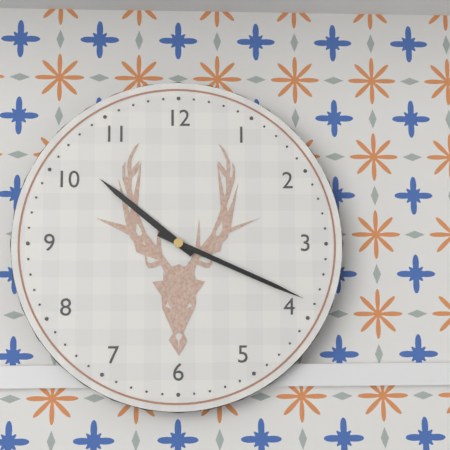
10:19
